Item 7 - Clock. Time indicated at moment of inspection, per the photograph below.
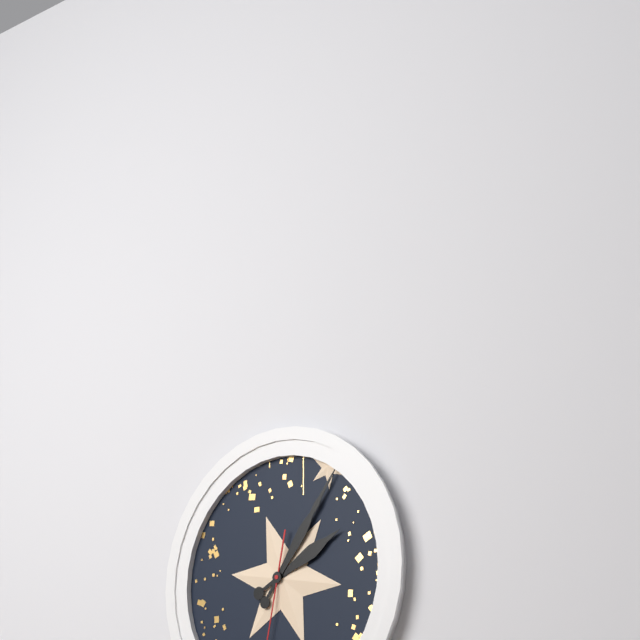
2:06
